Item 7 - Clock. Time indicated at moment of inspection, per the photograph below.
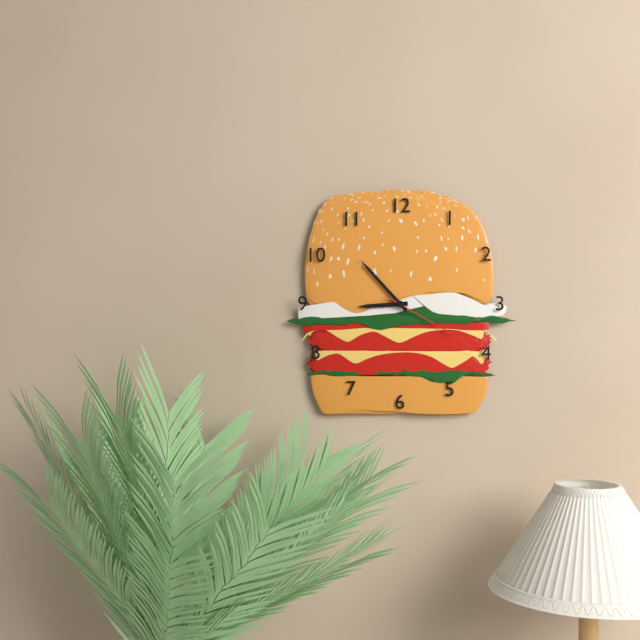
8:53:20
